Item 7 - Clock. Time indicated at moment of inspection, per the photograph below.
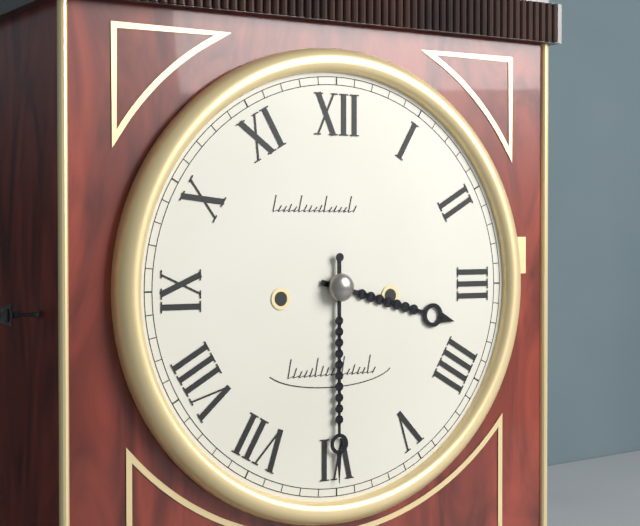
3:30
